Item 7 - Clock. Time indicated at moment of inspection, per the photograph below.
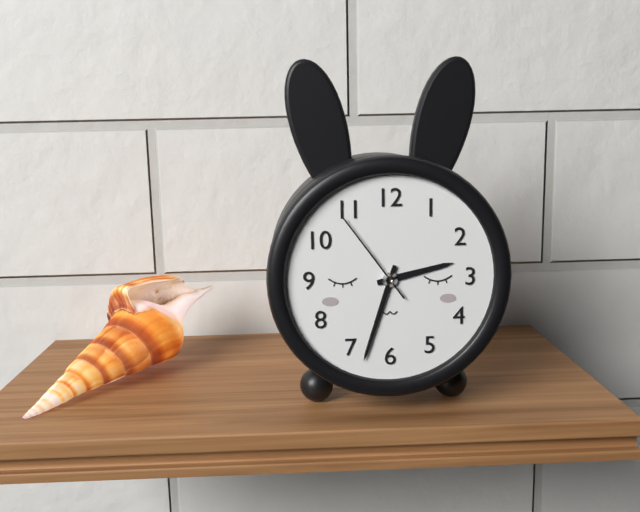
2:33:54
